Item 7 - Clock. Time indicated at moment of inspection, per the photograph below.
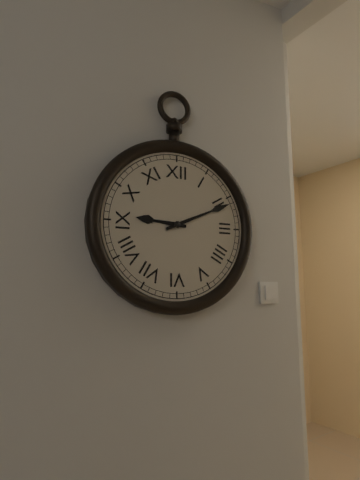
9:11
